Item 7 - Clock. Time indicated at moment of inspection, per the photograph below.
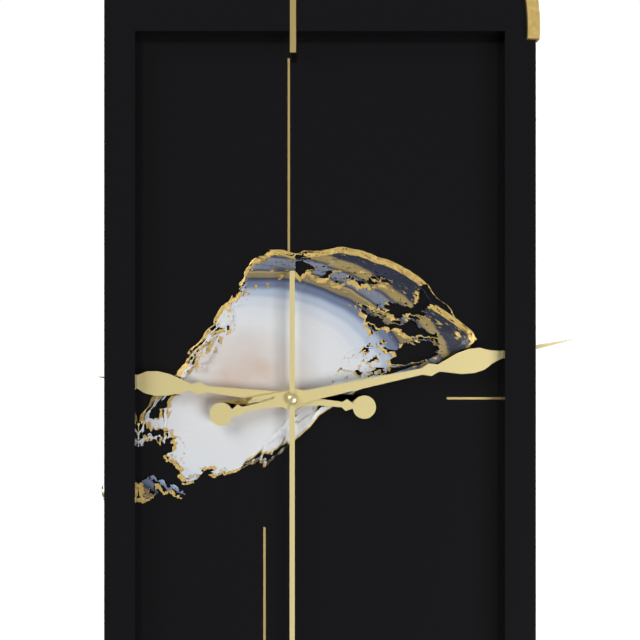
9:13
